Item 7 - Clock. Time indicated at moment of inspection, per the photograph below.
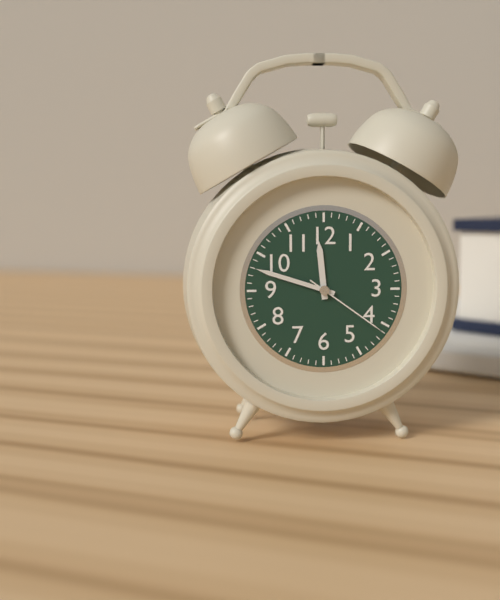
11:48:21
